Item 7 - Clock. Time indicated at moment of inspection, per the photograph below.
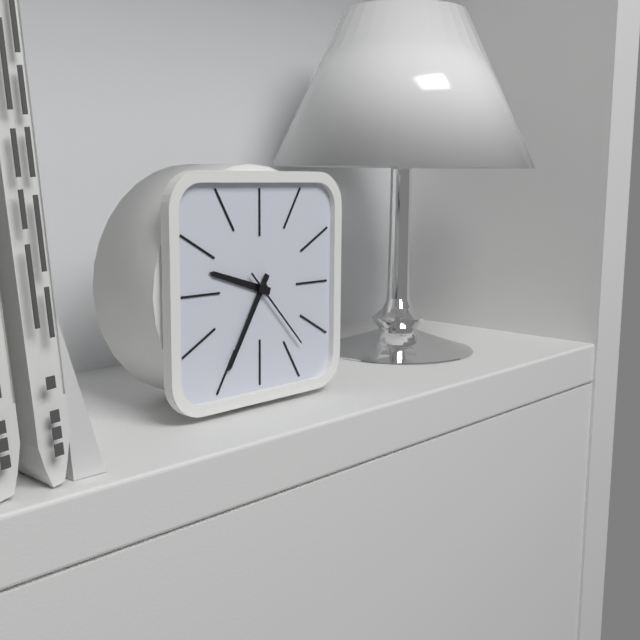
9:35:23
